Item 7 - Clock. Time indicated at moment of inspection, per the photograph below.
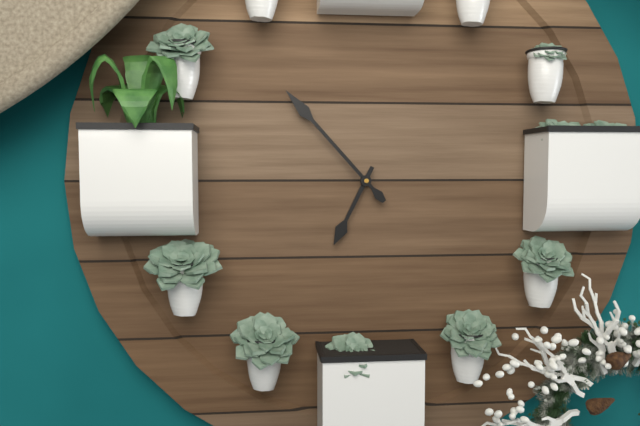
6:53
